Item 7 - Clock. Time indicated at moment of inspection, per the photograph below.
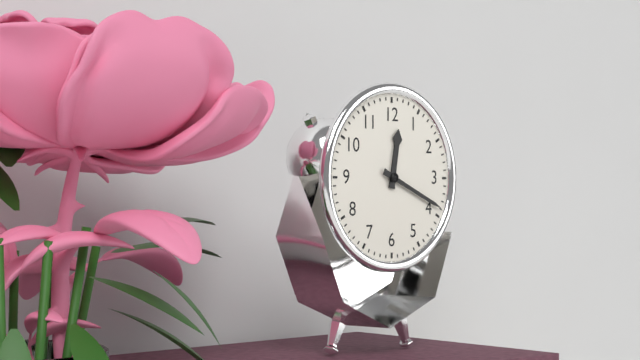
12:19
